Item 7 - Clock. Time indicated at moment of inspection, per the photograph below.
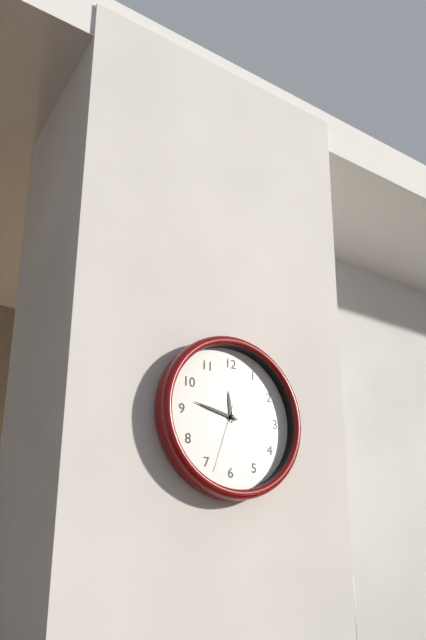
11:47:33
